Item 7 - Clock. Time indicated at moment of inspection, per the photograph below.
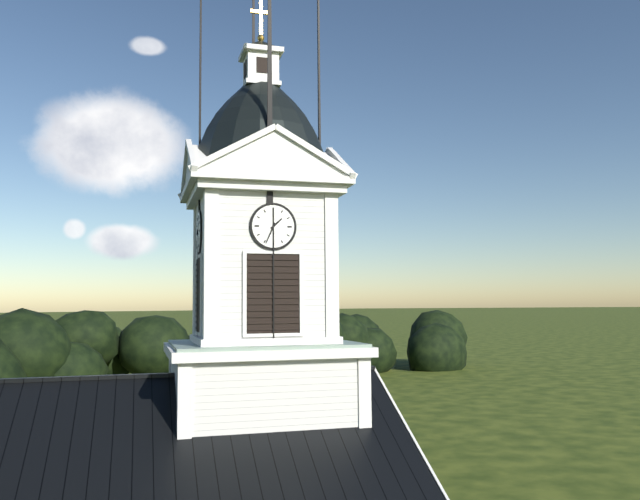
1:34
